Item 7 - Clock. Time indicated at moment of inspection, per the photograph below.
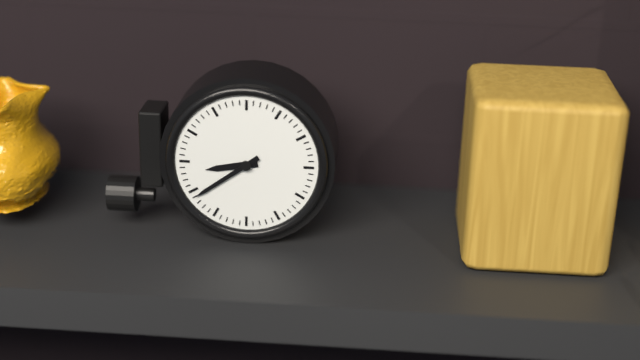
8:39
